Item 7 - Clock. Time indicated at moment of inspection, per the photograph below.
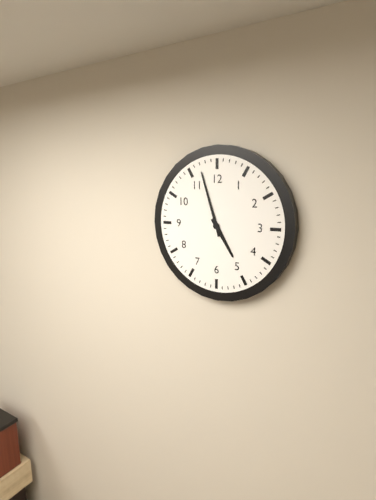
4:57
